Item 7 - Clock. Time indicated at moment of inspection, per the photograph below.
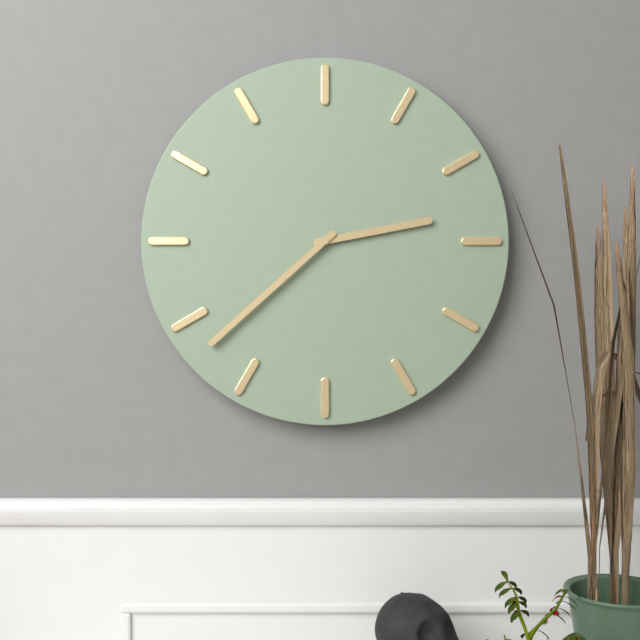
2:38
